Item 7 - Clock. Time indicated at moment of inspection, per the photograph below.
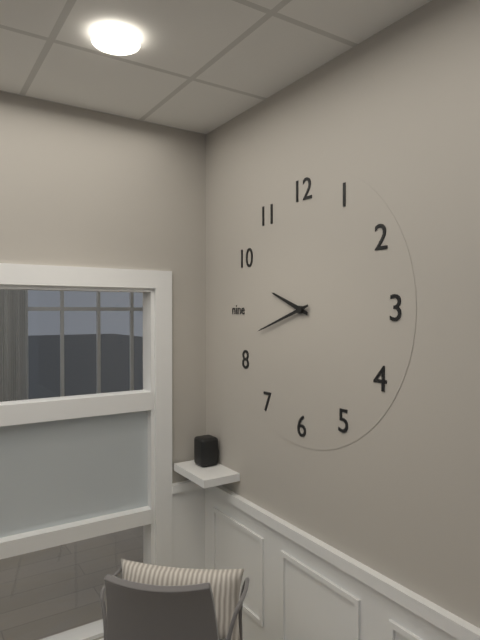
9:42
